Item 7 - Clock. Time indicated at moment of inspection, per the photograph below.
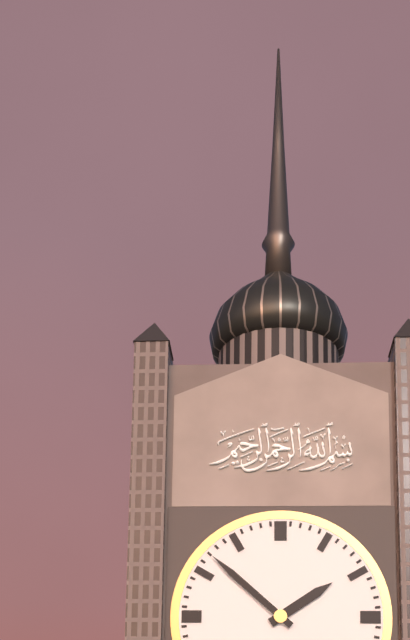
1:52
